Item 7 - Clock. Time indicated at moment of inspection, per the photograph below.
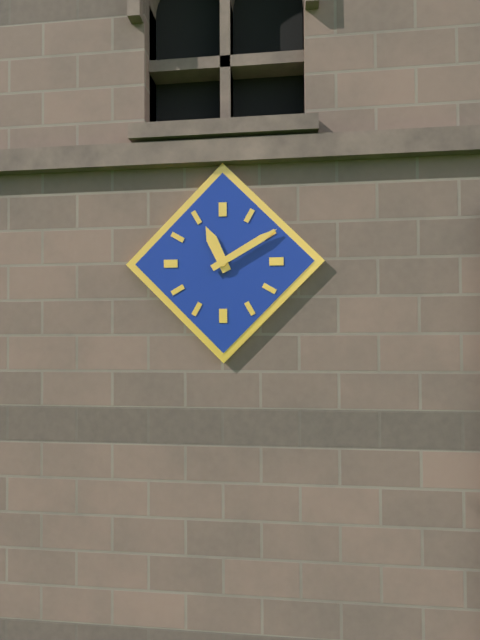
11:10
